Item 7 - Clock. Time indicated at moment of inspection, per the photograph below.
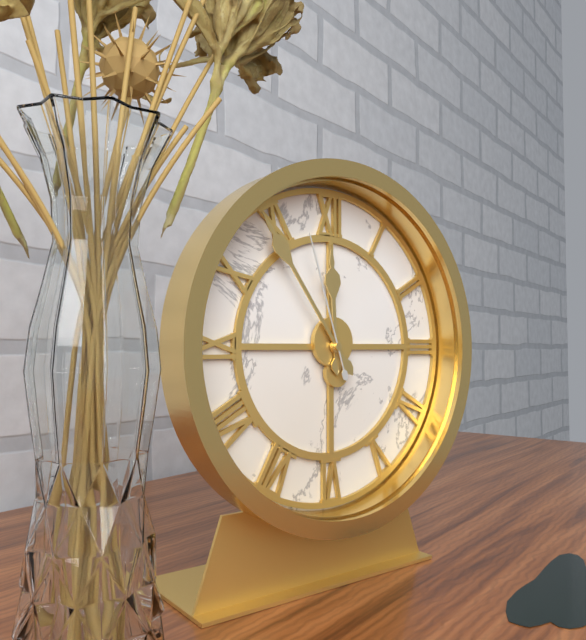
11:54:57
